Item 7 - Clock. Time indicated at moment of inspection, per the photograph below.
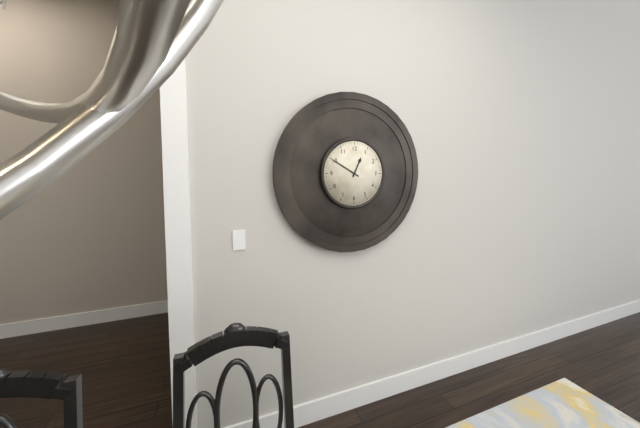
12:50
